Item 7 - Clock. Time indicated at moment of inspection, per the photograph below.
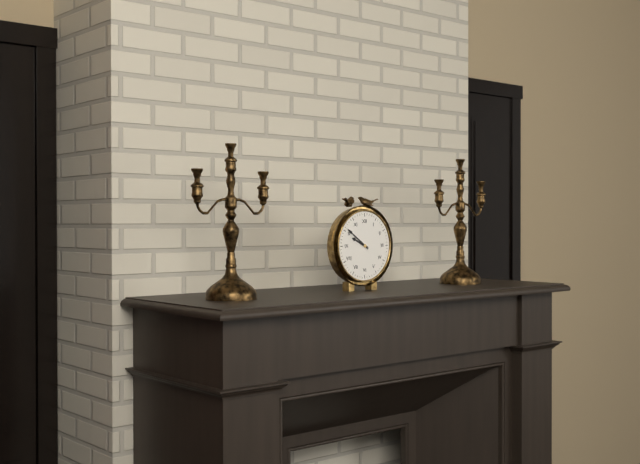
9:51
